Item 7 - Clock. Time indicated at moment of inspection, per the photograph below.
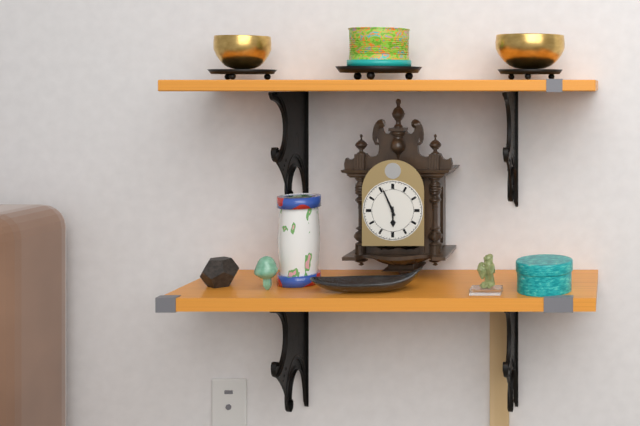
5:56
